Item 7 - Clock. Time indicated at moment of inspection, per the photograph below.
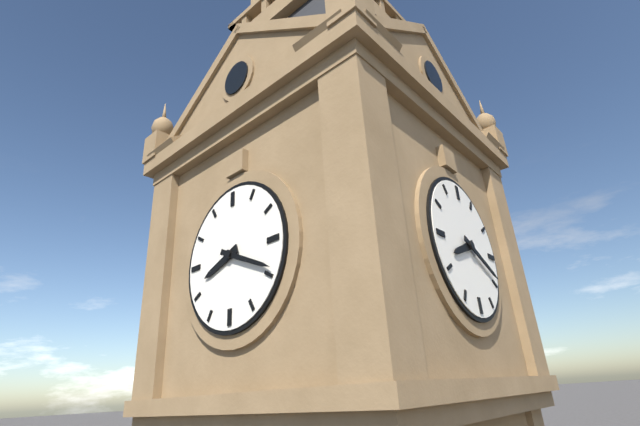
8:19
